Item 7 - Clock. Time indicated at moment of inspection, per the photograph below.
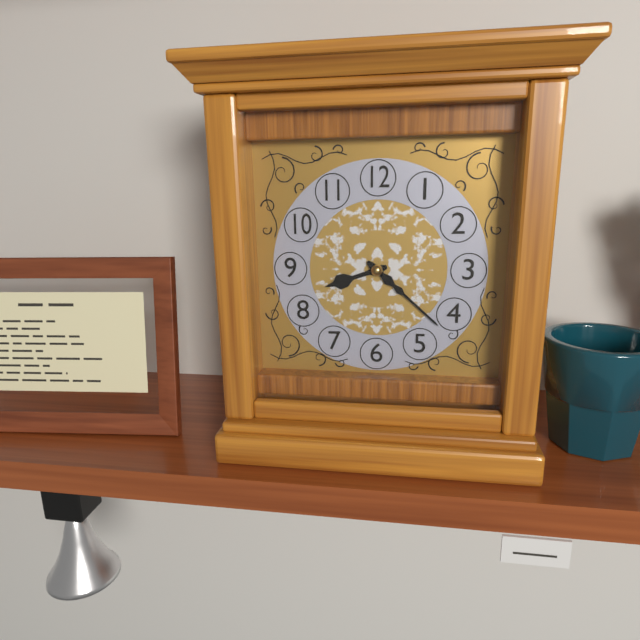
8:22
